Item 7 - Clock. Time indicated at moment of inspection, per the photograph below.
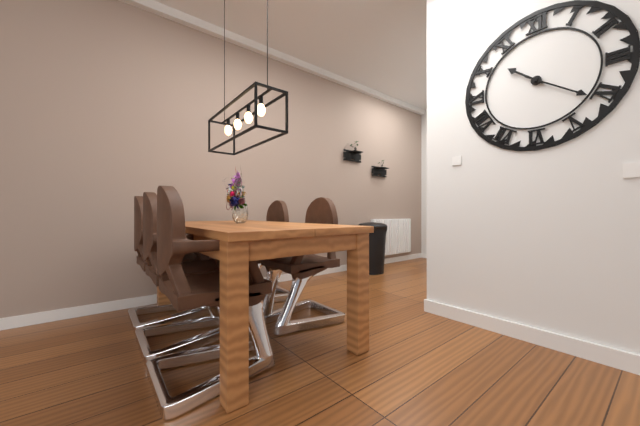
10:21
